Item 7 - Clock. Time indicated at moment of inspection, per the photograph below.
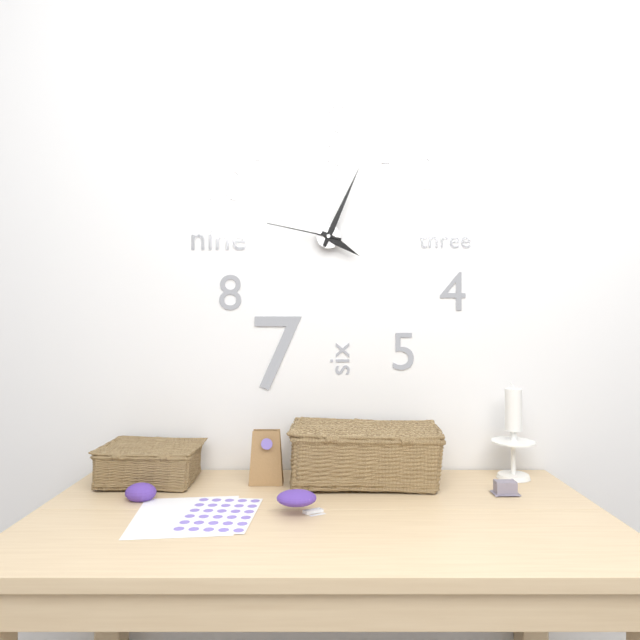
4:04:47
